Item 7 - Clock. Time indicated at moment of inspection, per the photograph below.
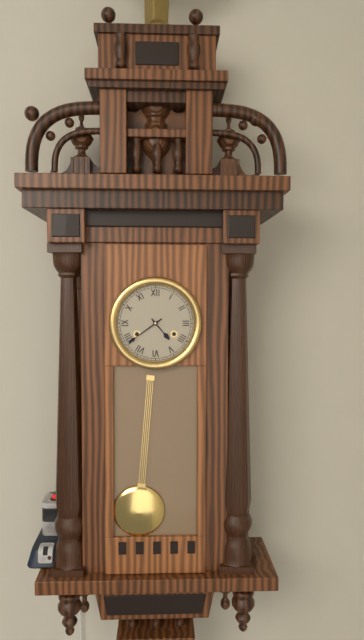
4:39
